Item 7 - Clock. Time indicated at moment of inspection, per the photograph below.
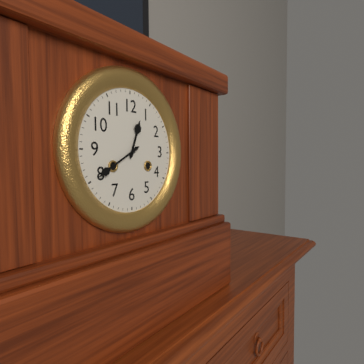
12:40
